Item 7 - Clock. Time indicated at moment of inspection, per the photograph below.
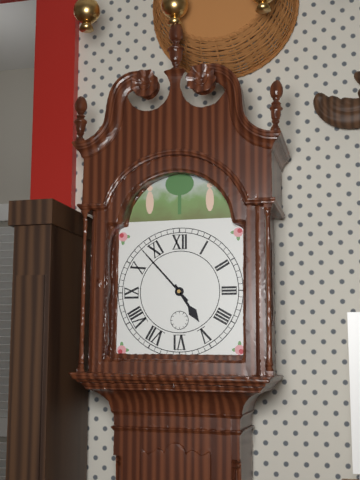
4:53
